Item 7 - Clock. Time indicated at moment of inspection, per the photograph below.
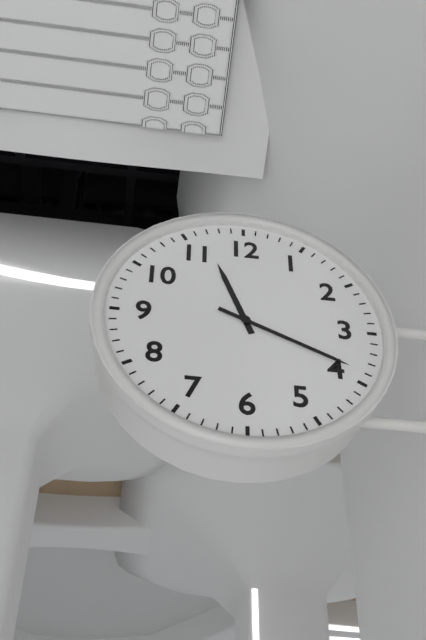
11:19
